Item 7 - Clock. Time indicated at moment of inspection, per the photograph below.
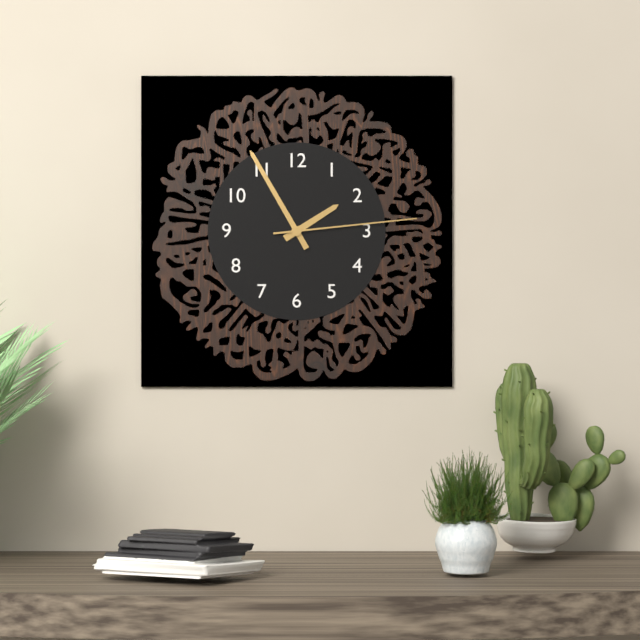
1:55:14
